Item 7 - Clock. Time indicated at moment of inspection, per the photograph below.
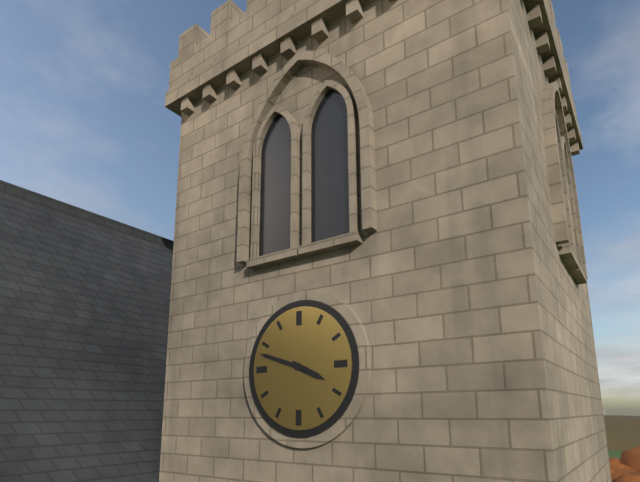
3:48
